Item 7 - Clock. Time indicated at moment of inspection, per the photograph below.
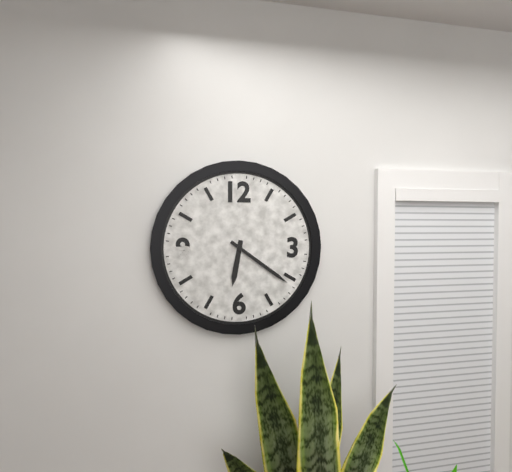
6:21
